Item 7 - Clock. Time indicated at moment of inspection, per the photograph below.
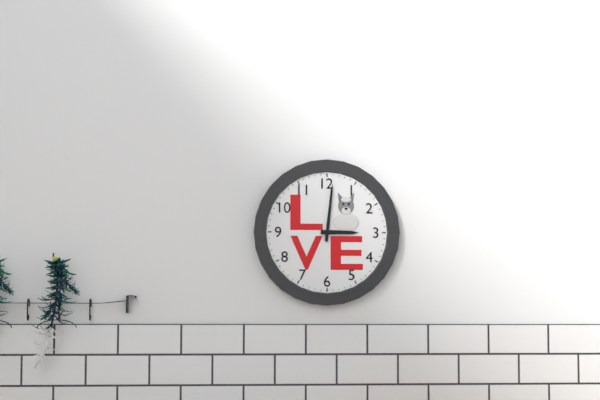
3:01
